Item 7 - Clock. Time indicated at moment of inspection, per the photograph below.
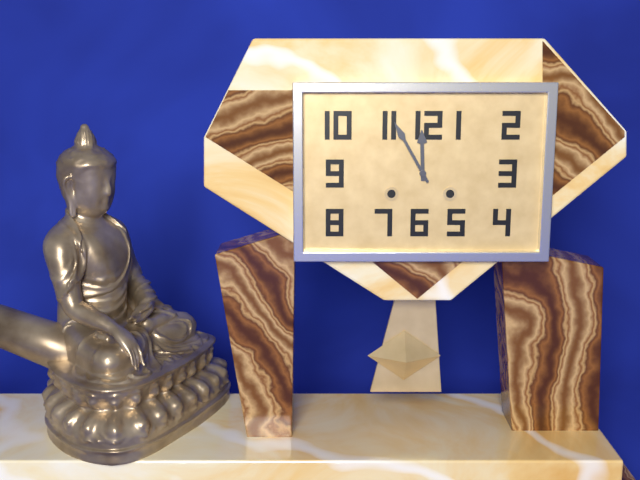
11:55
